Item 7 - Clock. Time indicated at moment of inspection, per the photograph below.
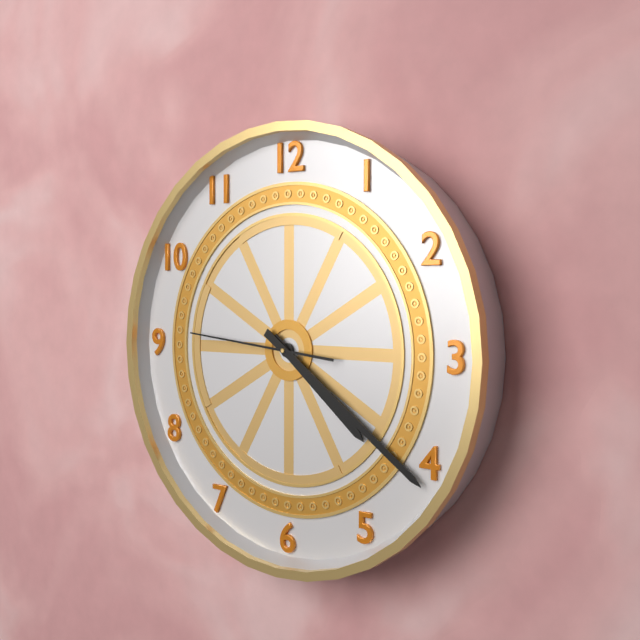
4:21:46
